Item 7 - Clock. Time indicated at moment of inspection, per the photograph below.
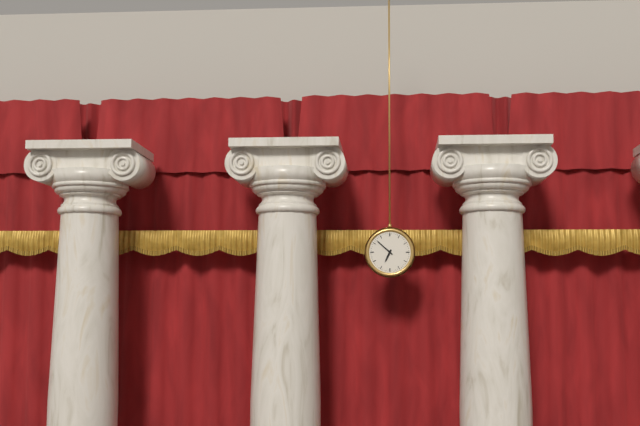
6:52
